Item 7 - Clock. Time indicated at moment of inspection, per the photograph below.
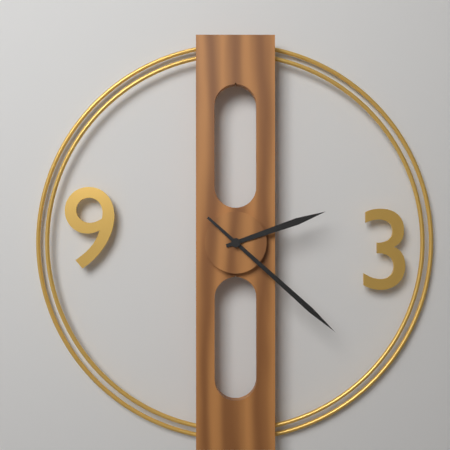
2:22
